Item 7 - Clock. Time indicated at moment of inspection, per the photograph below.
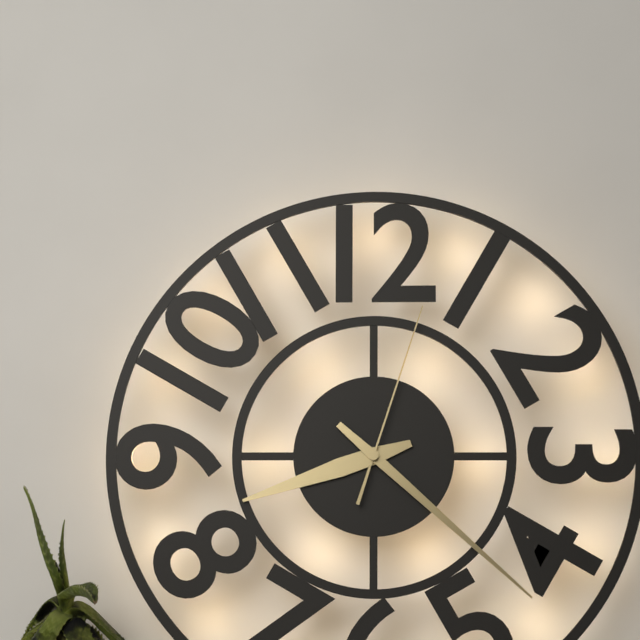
8:22:03
